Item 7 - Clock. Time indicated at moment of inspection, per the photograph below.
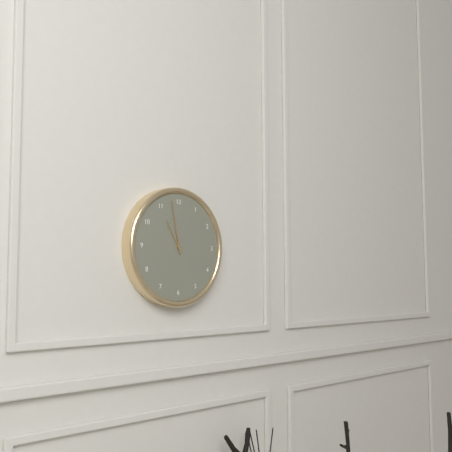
10:58
